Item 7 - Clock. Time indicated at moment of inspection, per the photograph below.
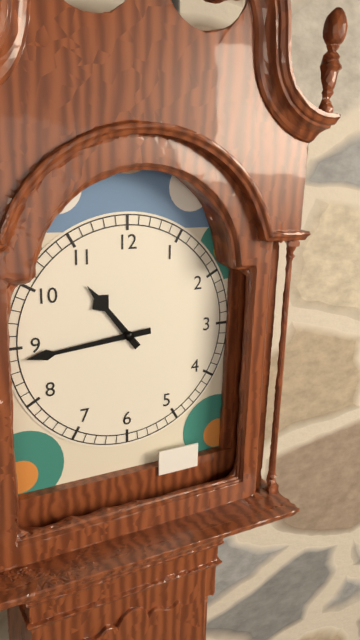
10:44
